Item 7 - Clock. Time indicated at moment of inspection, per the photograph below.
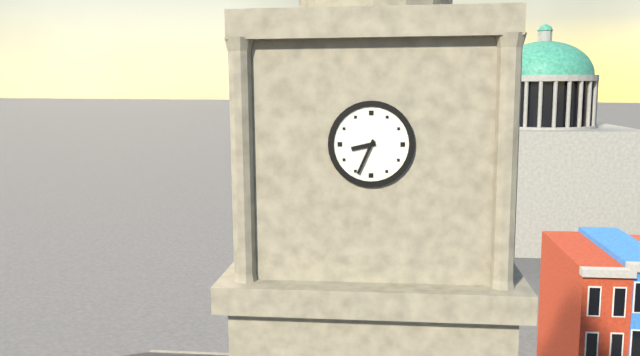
8:34
